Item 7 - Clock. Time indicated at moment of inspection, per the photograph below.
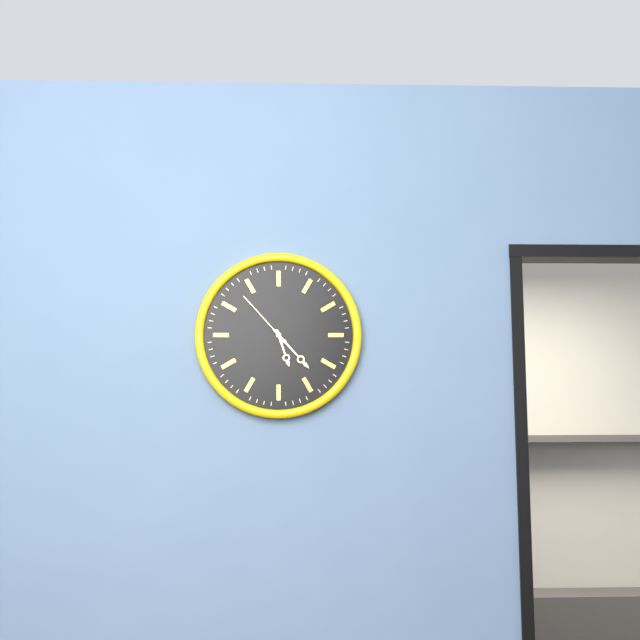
5:23:53
